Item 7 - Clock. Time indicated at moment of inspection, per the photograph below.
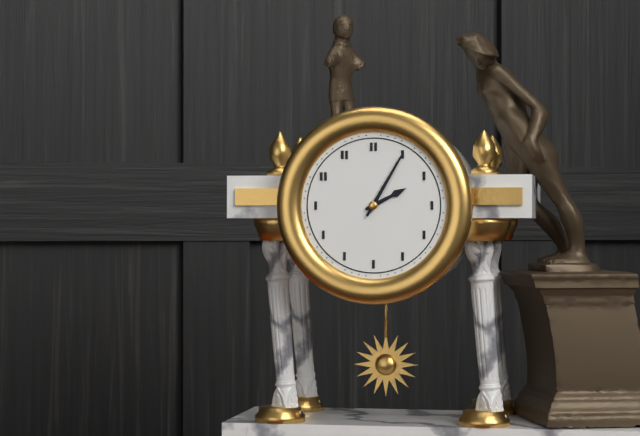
2:05
